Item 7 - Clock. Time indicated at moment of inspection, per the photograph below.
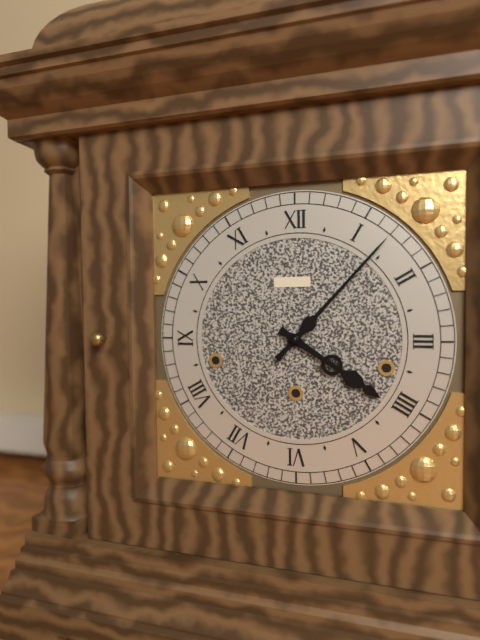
4:07
